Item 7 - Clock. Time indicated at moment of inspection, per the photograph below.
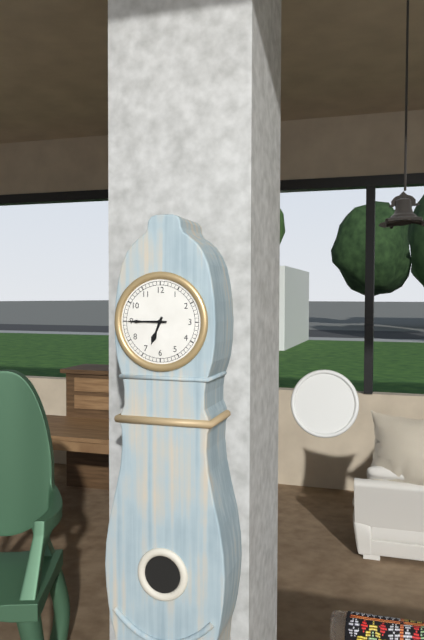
6:45
